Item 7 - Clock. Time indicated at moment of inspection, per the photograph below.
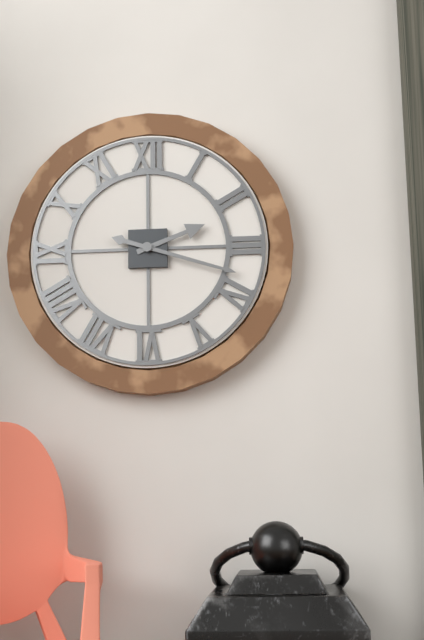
2:18
